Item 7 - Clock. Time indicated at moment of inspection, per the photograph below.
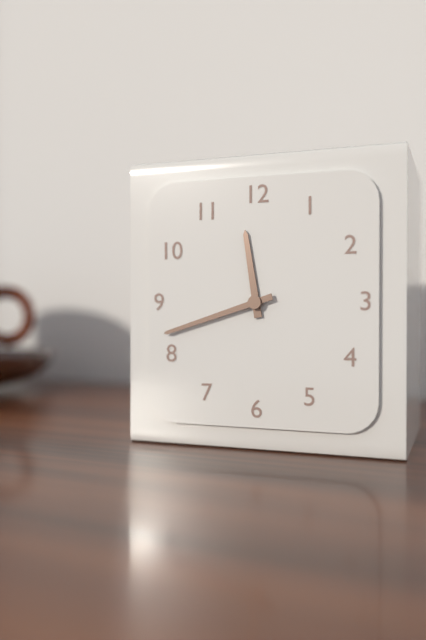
11:42
